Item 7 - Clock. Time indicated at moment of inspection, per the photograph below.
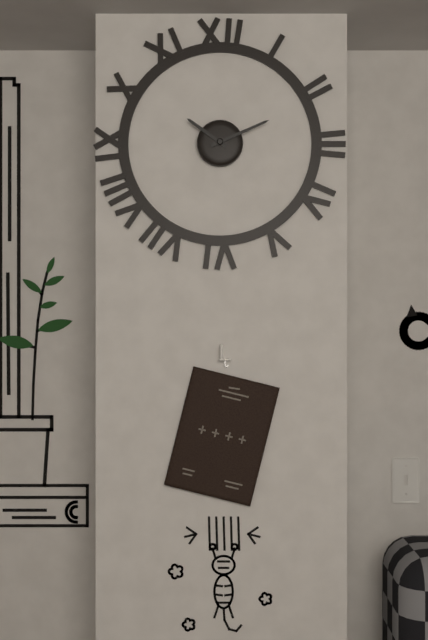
10:11
